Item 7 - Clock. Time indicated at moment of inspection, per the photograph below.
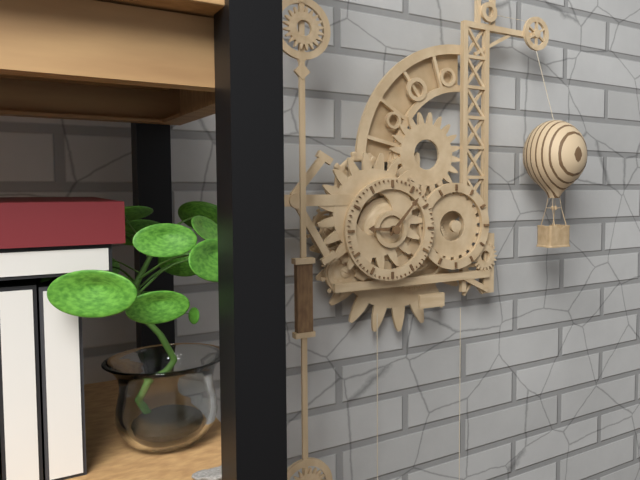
9:07
